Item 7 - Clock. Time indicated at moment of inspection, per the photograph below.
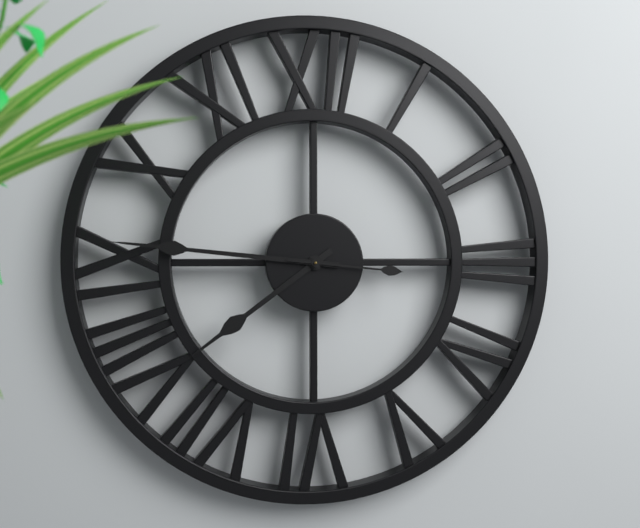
7:46:16
